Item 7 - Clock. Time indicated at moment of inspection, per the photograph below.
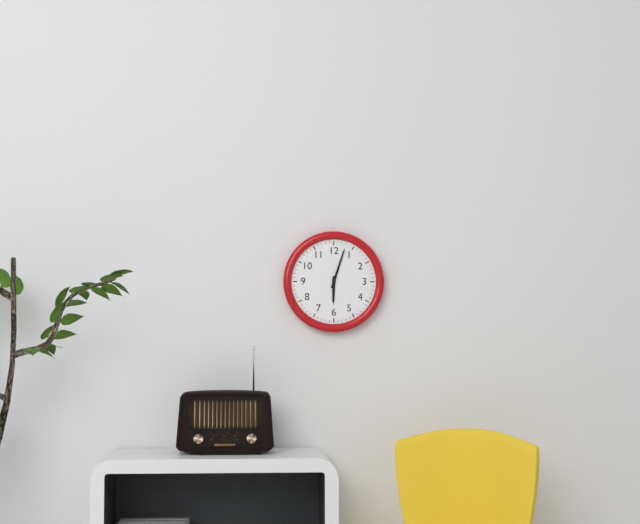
6:03
